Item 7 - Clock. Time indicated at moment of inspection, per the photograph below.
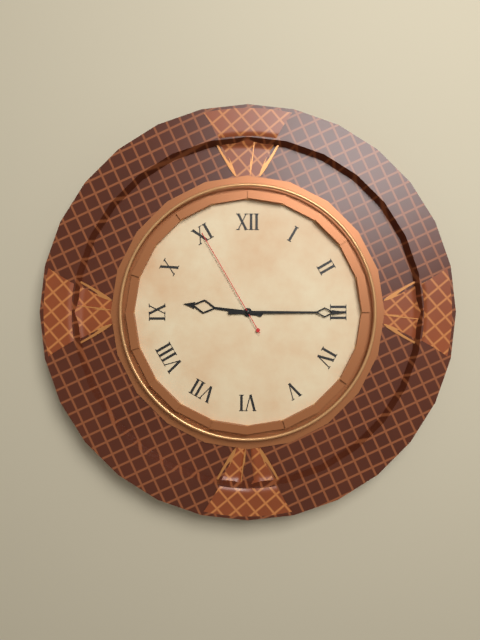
9:15:55
